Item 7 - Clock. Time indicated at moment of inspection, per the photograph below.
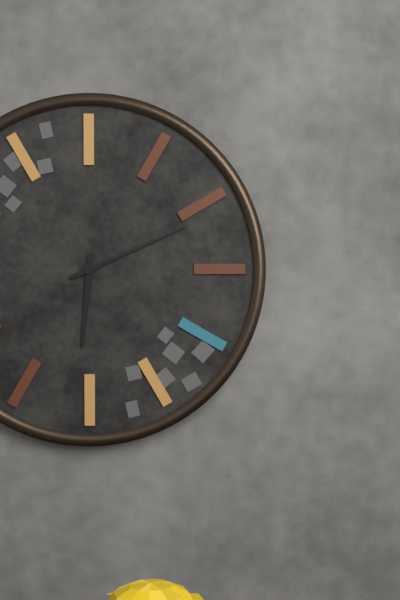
6:11
